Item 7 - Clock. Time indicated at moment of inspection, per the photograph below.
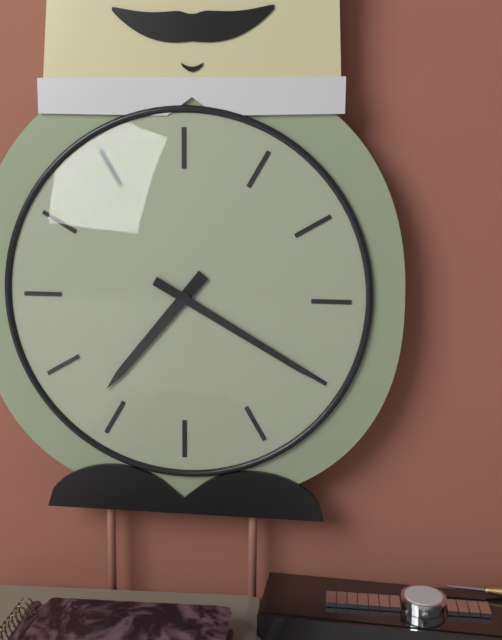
7:20
